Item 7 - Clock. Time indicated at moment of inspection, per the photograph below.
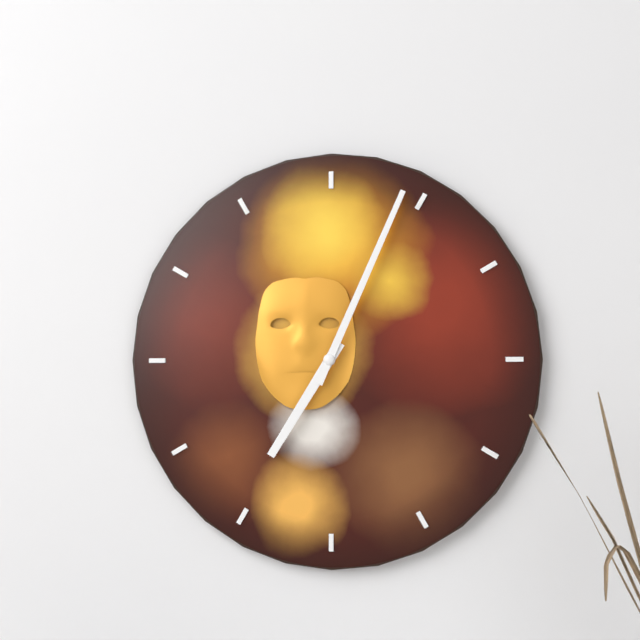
7:04
